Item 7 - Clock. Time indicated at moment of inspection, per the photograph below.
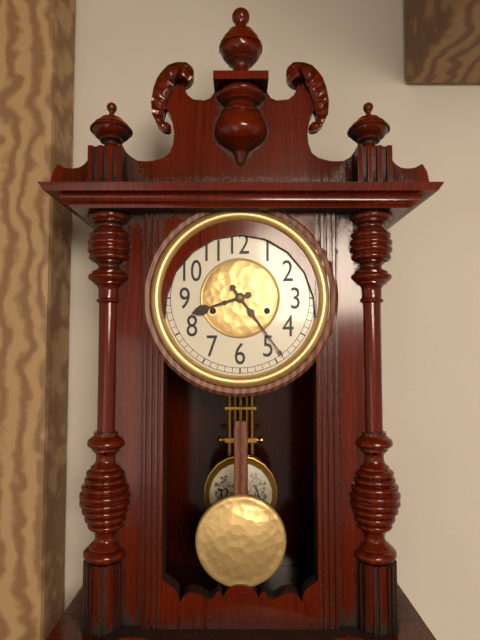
8:24
